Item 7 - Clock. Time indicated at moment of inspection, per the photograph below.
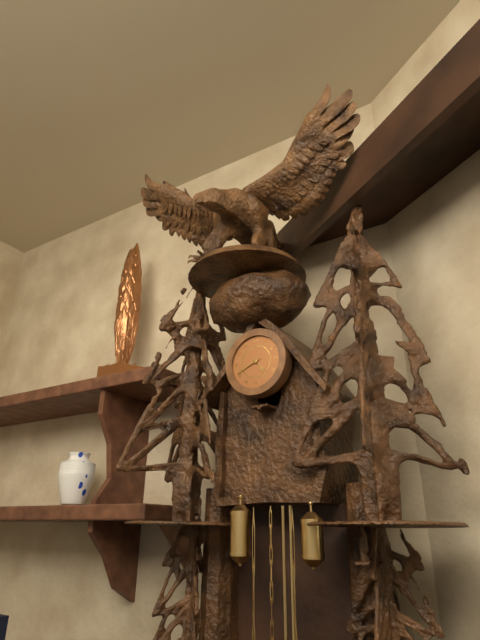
4:41
